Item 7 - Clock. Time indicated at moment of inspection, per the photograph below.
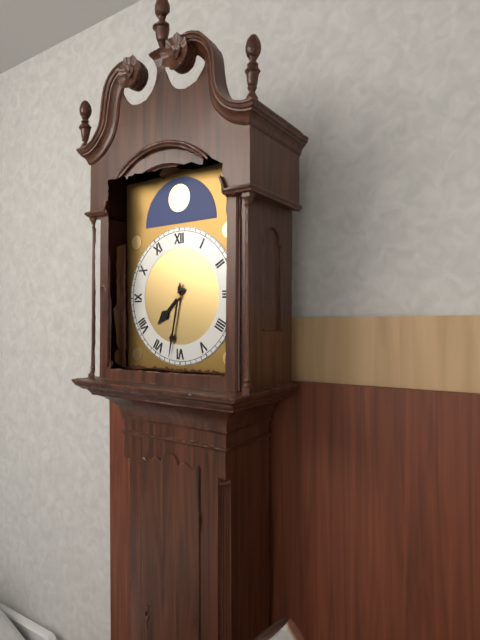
7:32
